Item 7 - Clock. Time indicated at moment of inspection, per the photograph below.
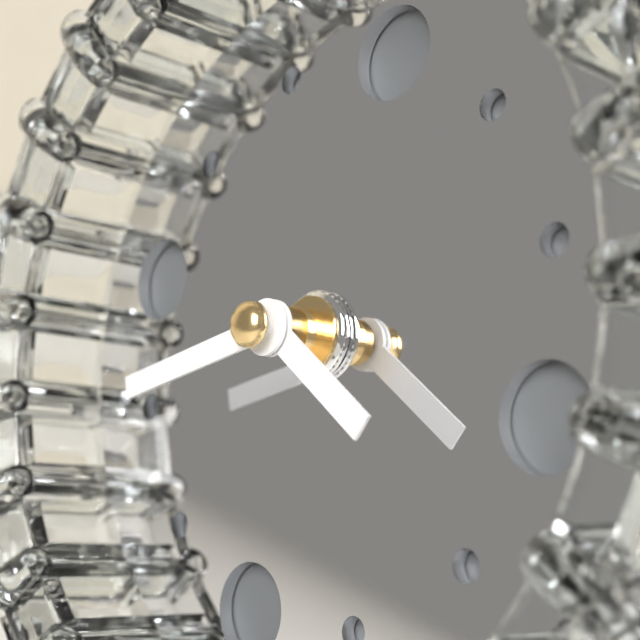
3:40
